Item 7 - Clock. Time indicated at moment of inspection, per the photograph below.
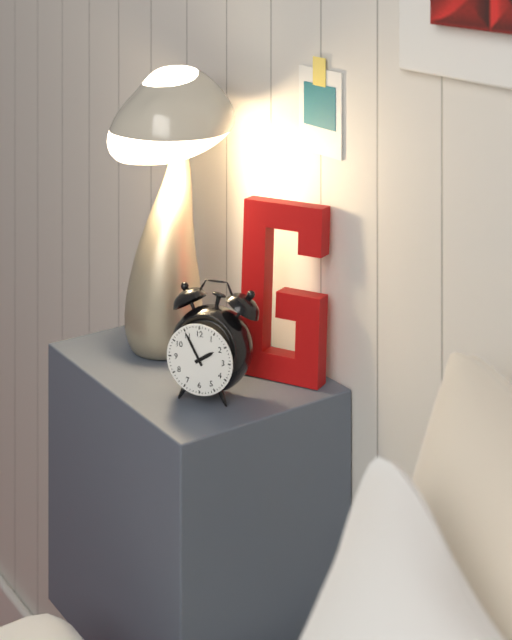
1:55
